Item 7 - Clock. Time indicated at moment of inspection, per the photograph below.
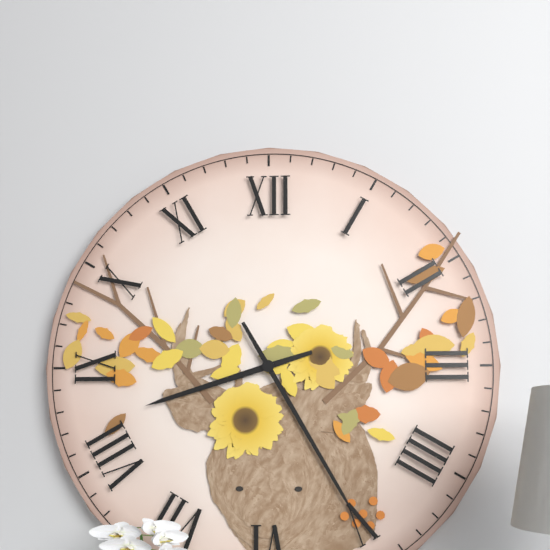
8:25
